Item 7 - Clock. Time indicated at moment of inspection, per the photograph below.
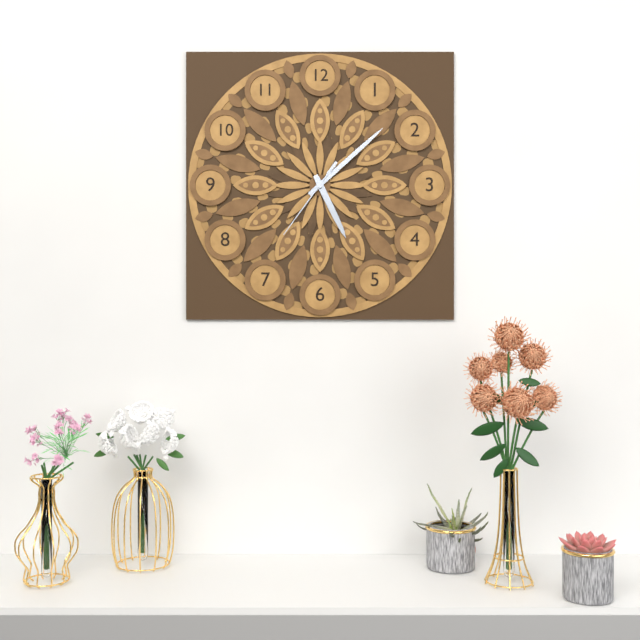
5:08:36
